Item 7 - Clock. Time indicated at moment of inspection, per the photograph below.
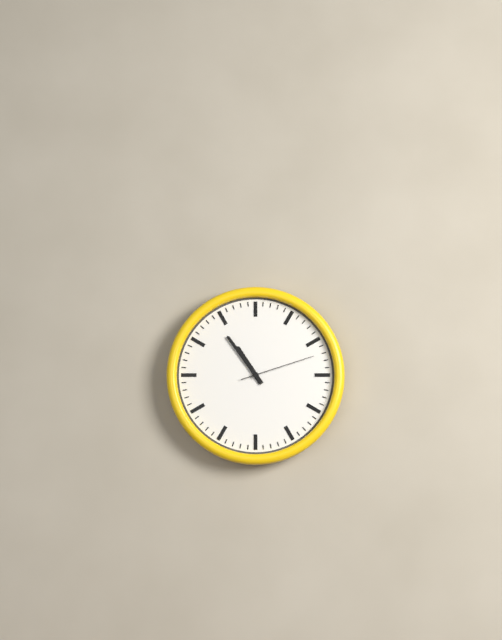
10:54:12
